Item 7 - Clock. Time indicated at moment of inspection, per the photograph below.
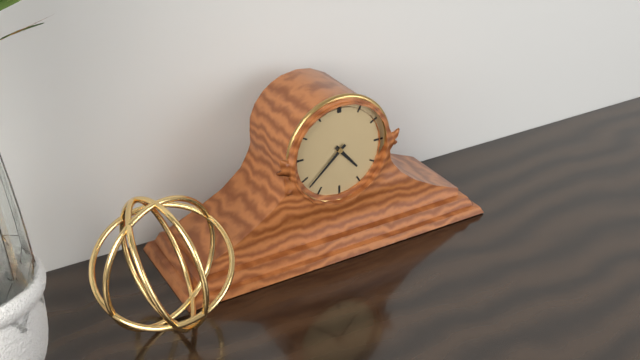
4:38
